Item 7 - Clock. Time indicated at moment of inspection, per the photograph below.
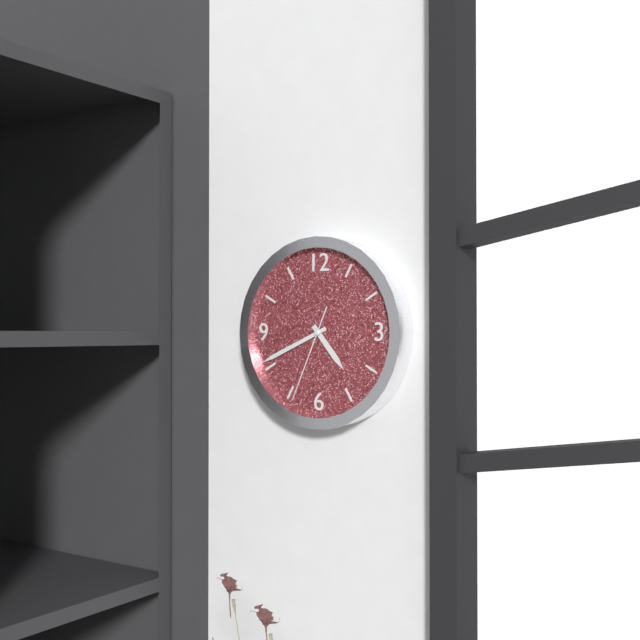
4:41:34
